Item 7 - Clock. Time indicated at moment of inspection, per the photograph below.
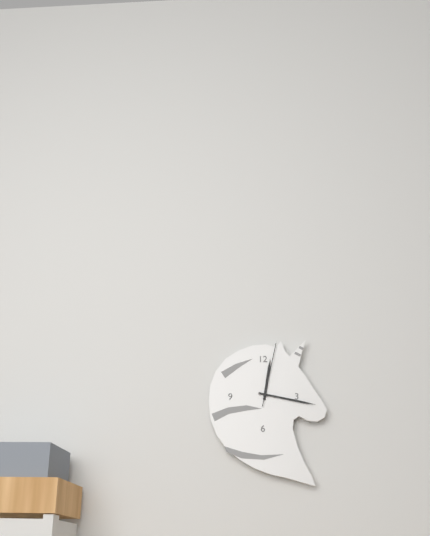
12:17:02
